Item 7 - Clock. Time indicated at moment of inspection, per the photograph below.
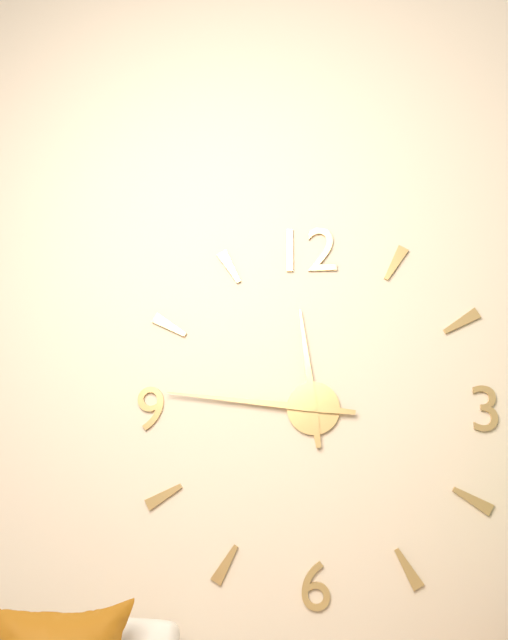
11:46
